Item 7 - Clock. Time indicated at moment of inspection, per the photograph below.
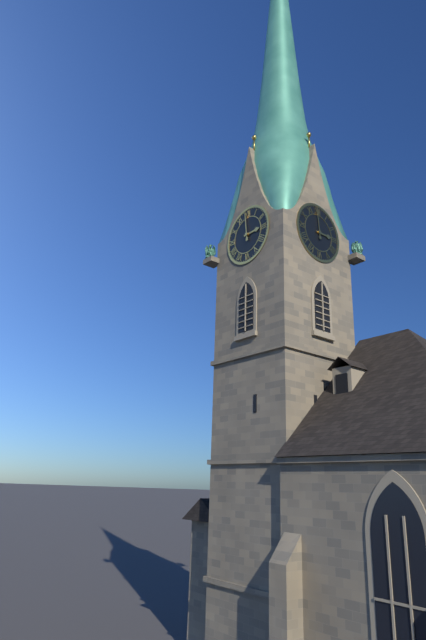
2:59
